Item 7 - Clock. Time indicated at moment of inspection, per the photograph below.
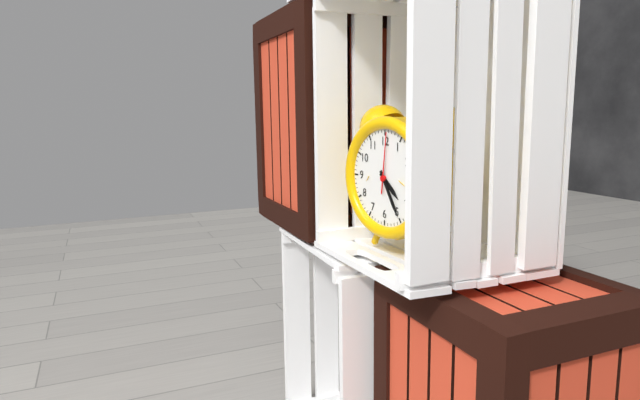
4:25:01
